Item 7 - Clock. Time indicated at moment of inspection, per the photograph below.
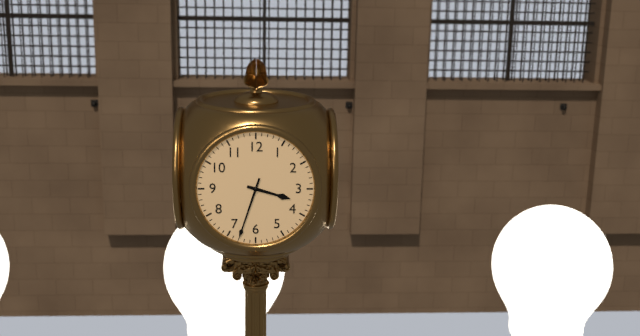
3:33
